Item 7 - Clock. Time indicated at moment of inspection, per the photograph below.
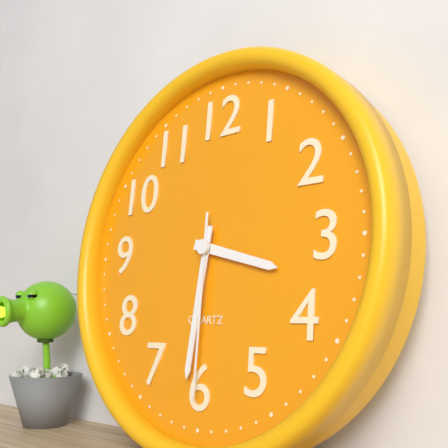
3:31:30
